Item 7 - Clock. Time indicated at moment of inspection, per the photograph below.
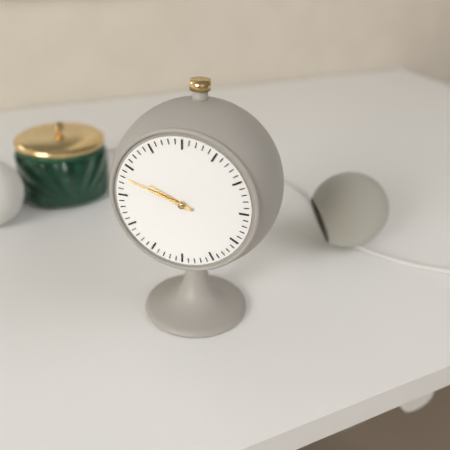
9:48
